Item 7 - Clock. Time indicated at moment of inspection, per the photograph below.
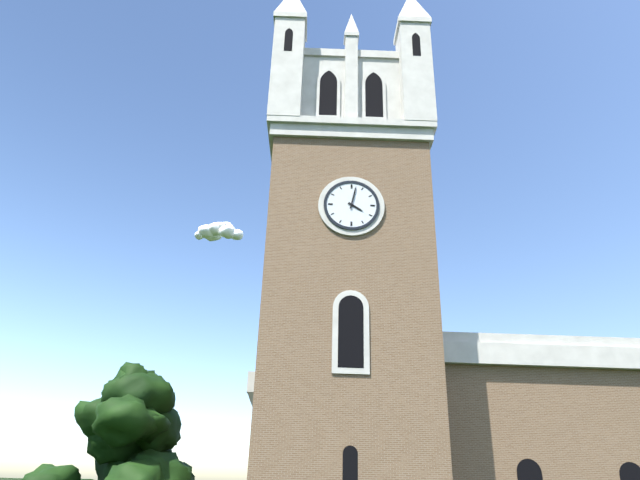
4:02
